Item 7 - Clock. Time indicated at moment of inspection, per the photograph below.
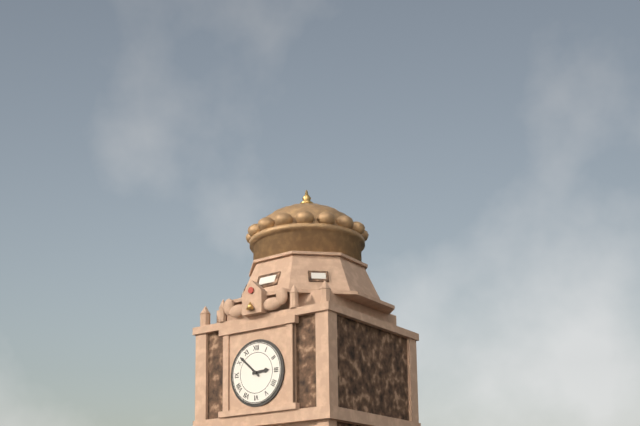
2:52
